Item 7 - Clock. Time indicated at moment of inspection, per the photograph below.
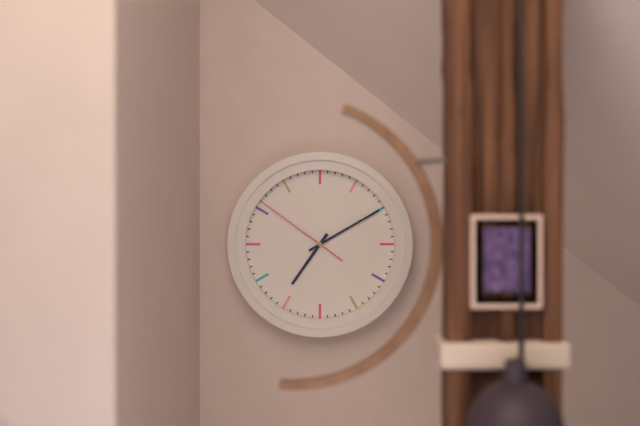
7:10:51
